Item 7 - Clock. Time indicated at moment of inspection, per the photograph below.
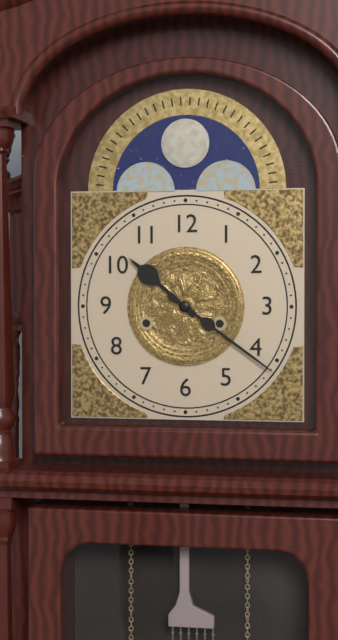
10:21
